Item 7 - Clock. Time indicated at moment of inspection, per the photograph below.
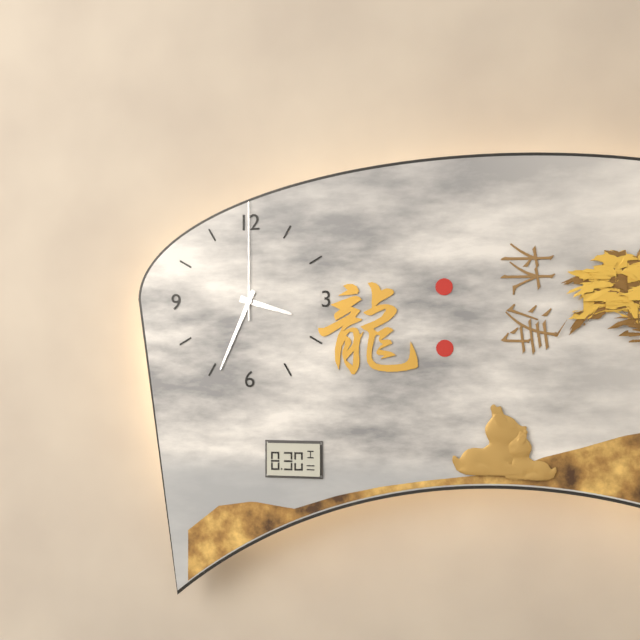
3:34:00
